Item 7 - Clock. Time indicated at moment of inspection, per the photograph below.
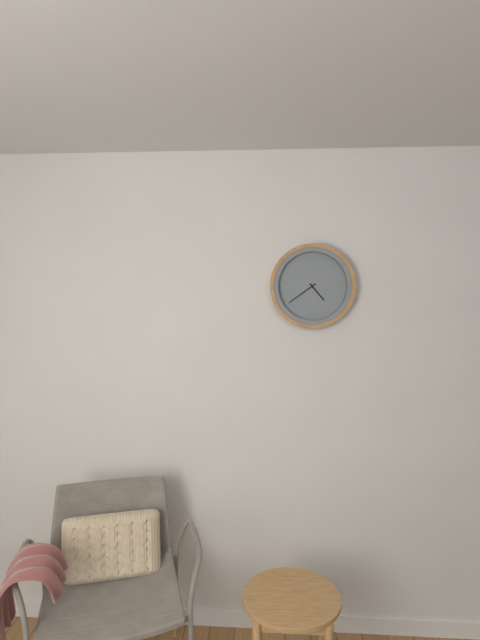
4:39
